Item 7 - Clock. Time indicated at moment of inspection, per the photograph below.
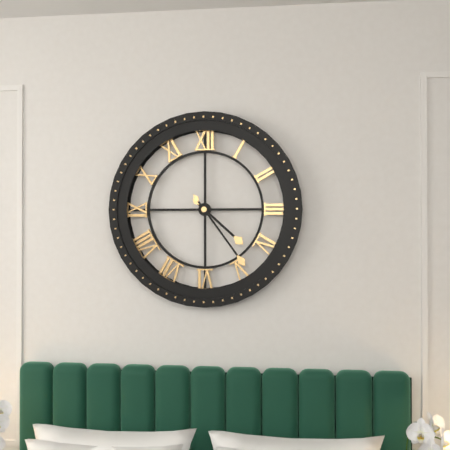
4:24
